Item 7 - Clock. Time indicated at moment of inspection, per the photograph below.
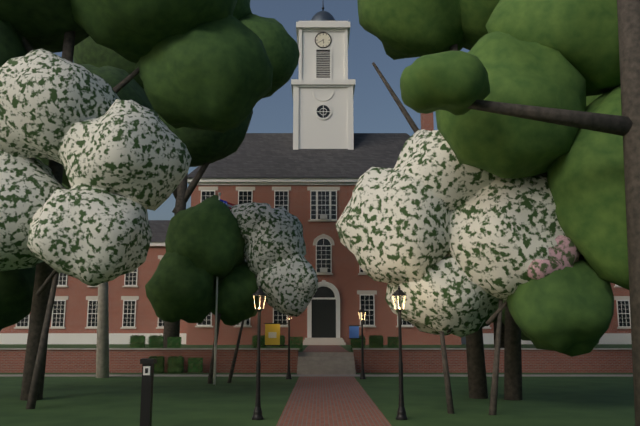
5:40
